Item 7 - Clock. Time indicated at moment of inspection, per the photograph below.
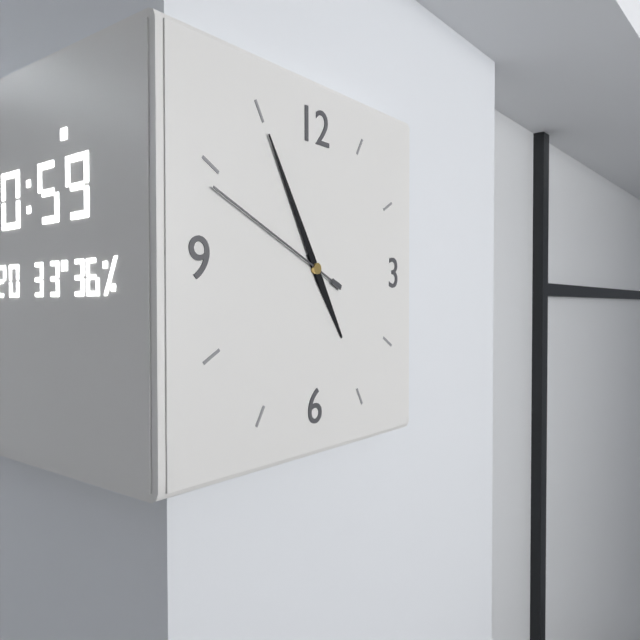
4:55:49
